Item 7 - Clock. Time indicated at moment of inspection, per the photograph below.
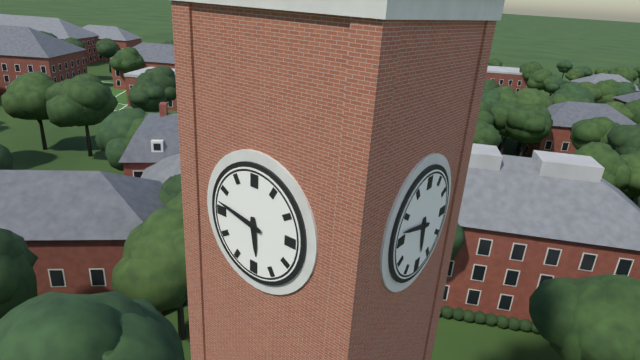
5:47
